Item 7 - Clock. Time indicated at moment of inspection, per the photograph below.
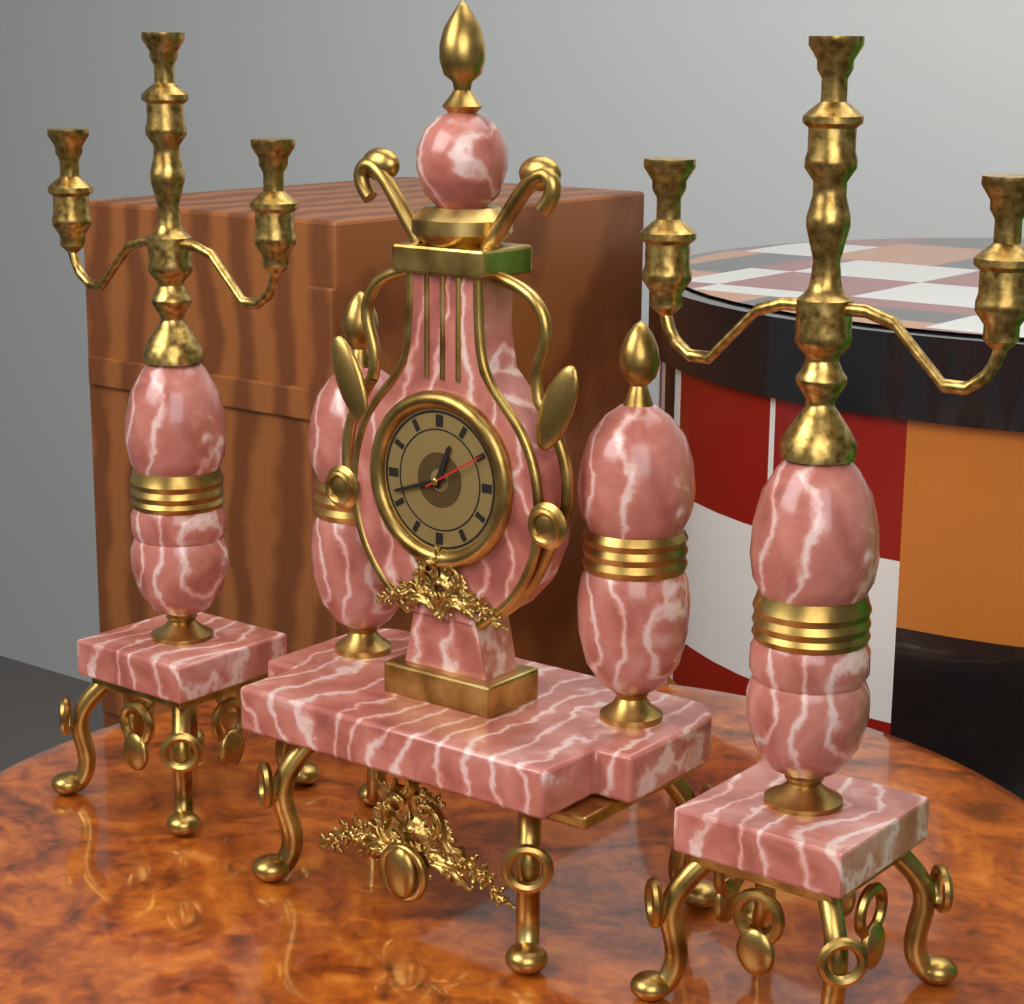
12:42:10
